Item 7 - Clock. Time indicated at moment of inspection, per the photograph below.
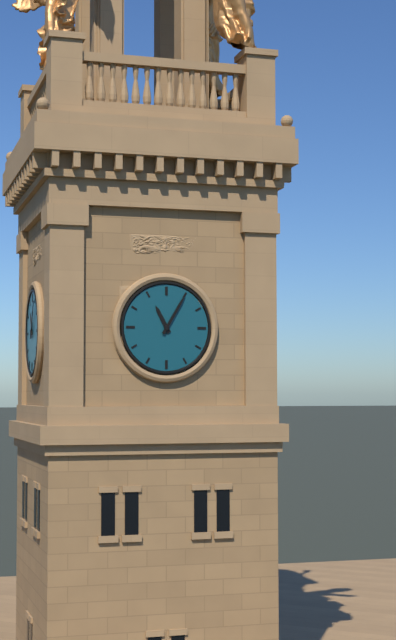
11:05
